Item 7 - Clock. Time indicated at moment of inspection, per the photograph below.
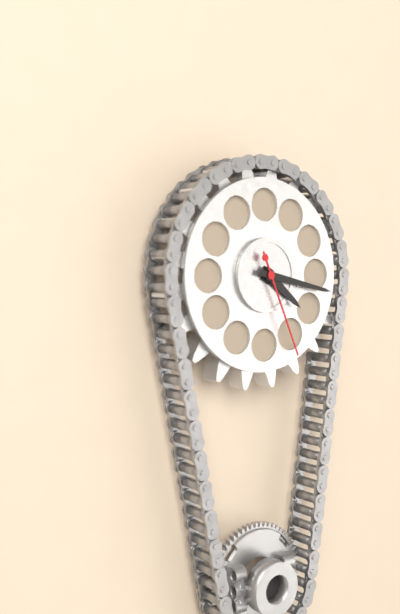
4:17:26
